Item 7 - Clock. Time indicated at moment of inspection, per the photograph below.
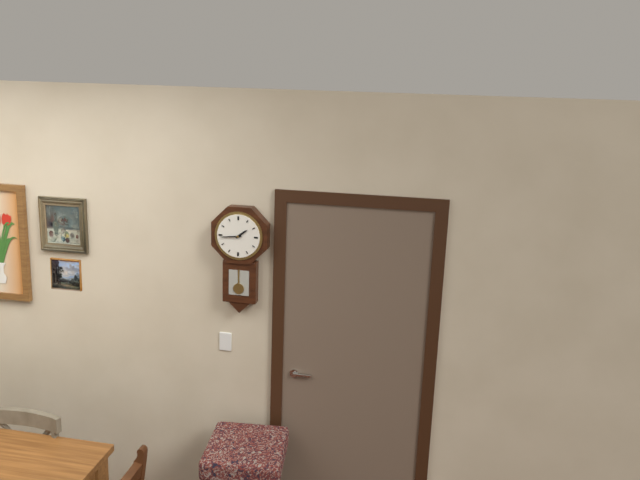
1:44
